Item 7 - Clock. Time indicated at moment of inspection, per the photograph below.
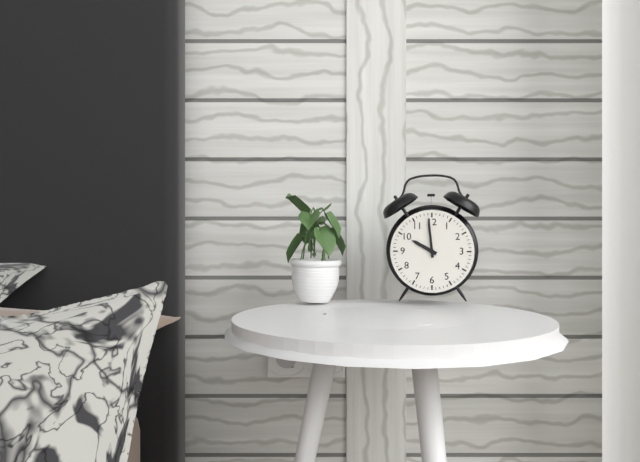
9:59
